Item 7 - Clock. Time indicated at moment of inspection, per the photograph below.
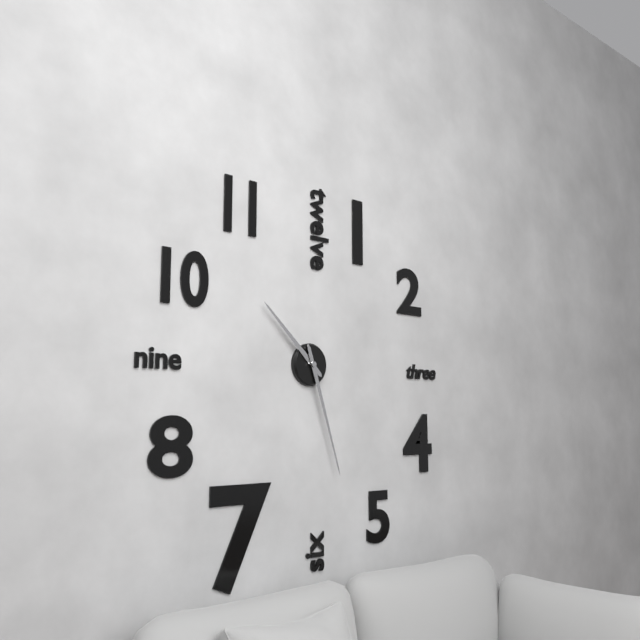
10:27
